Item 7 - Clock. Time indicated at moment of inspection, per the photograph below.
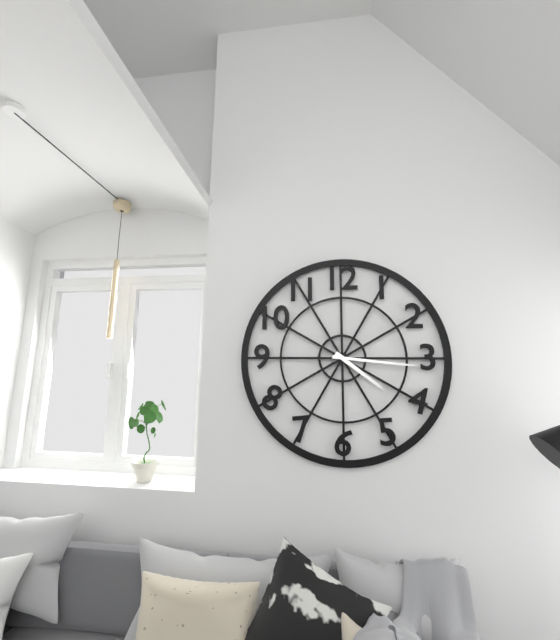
4:16
